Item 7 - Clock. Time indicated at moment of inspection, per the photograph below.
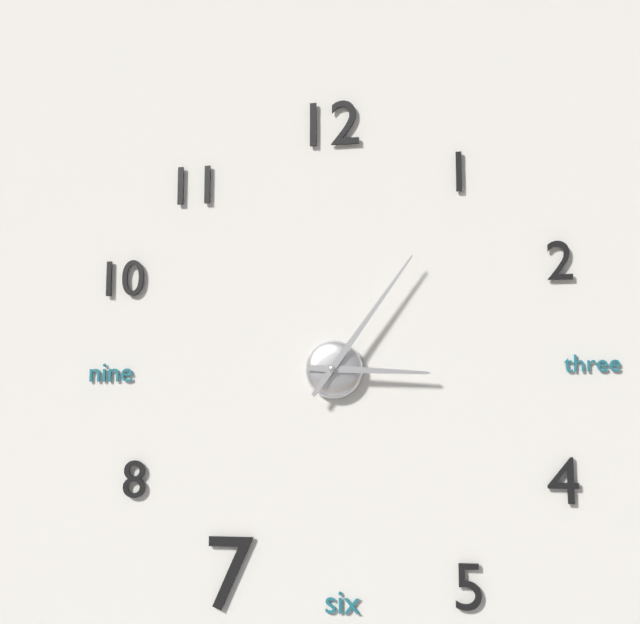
3:06
